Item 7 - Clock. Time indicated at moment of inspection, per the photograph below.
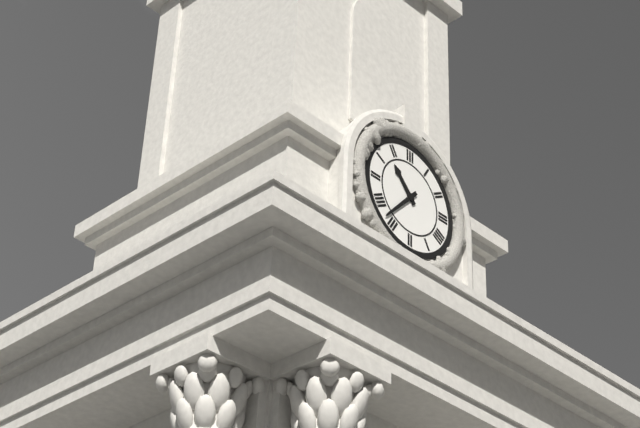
10:37
